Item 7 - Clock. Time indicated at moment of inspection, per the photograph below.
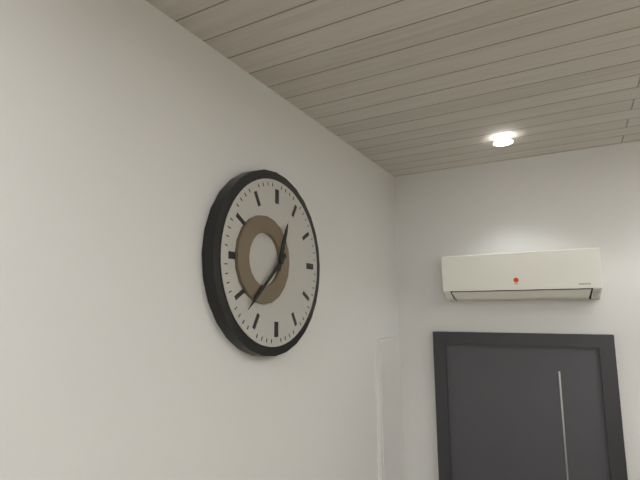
12:38
